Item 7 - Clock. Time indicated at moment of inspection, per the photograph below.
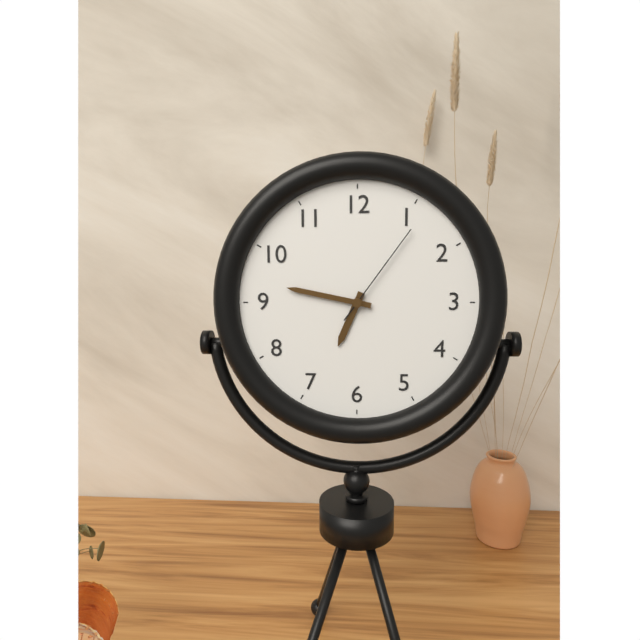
6:47:06
